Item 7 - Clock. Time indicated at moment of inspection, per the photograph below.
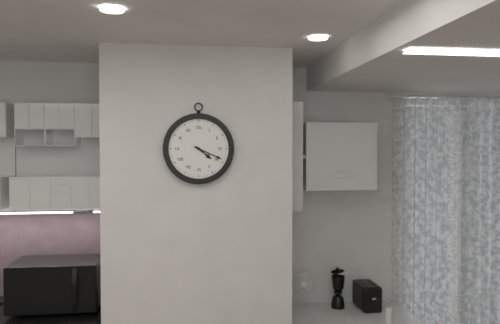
4:19
